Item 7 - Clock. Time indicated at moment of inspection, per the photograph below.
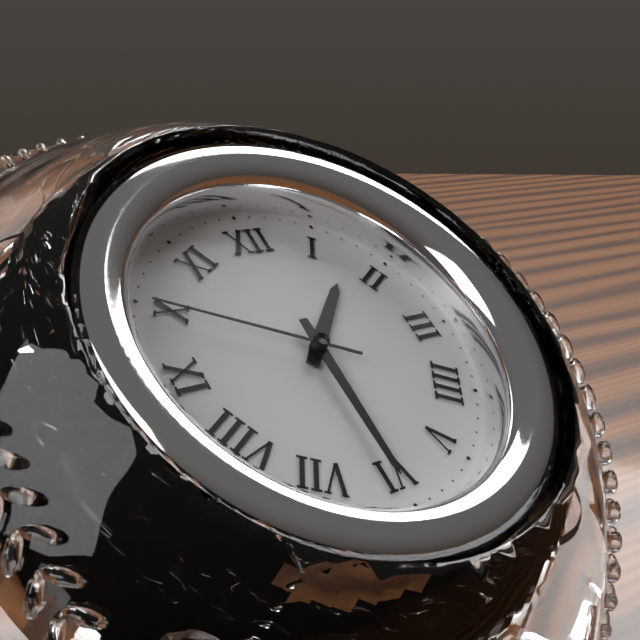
1:30:50
